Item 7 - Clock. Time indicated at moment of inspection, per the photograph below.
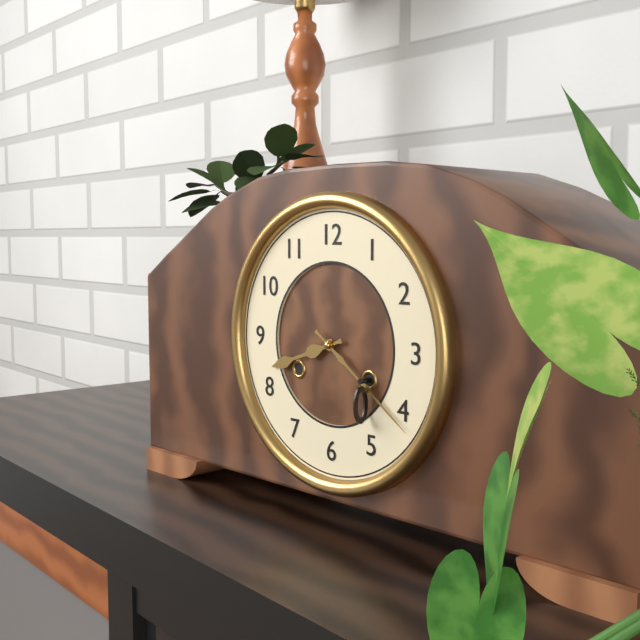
8:21
